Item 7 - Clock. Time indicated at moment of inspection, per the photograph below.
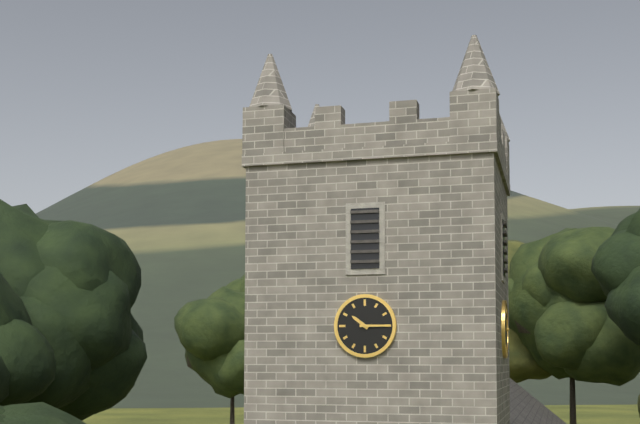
10:15
